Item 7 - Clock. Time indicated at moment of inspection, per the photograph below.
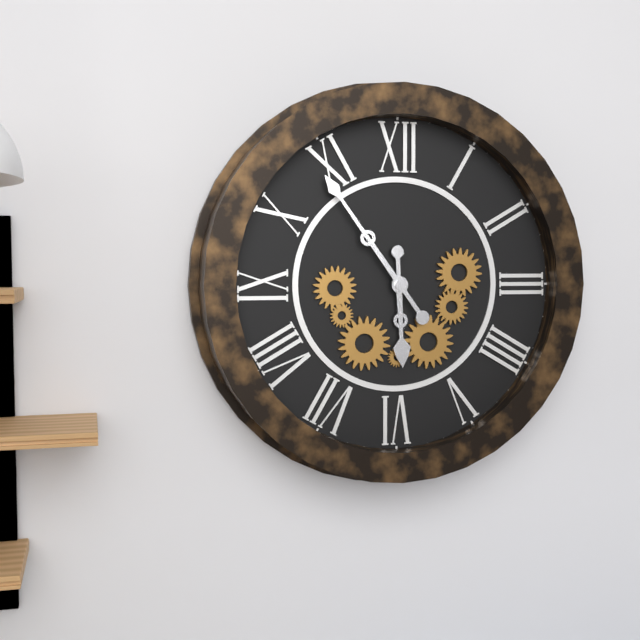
5:54
